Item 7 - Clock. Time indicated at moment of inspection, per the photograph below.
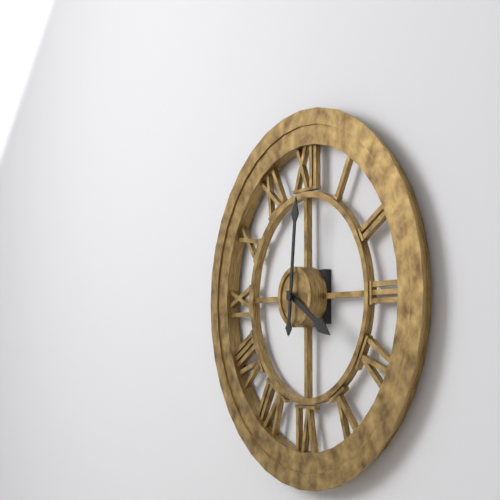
4:01
